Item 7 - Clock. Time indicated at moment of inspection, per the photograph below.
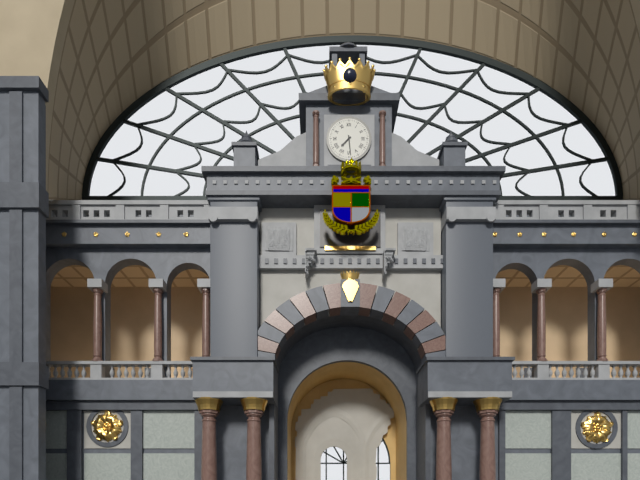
7:29
